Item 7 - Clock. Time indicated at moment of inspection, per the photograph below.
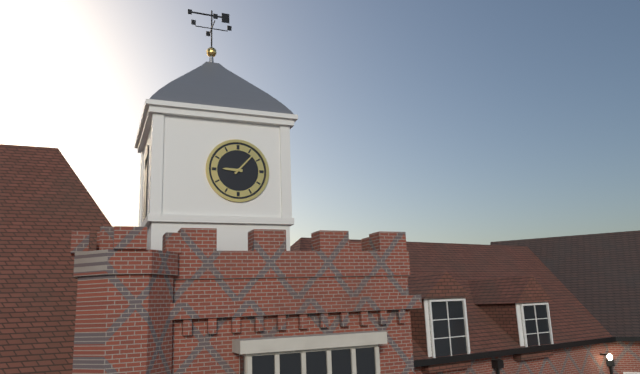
9:07
